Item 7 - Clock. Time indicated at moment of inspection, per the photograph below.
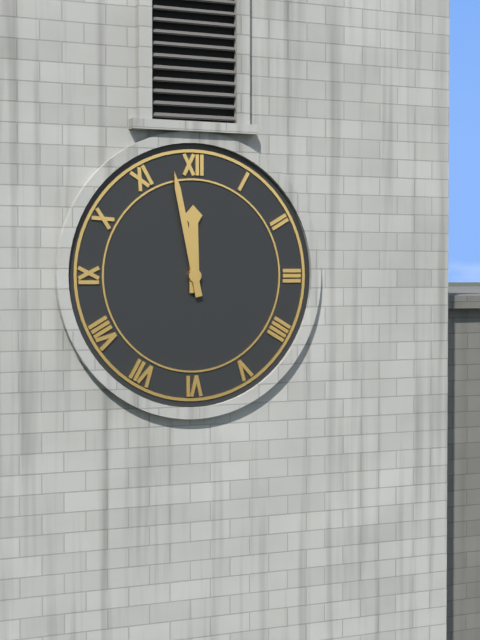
11:58
